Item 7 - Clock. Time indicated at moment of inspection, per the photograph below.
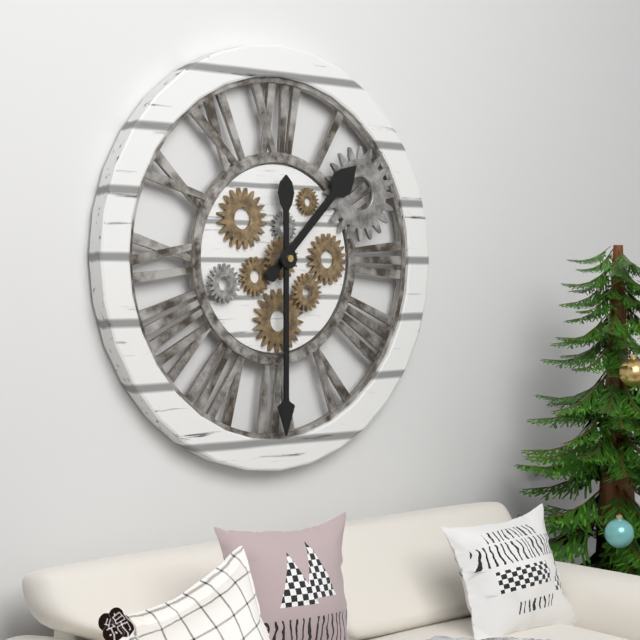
1:30
